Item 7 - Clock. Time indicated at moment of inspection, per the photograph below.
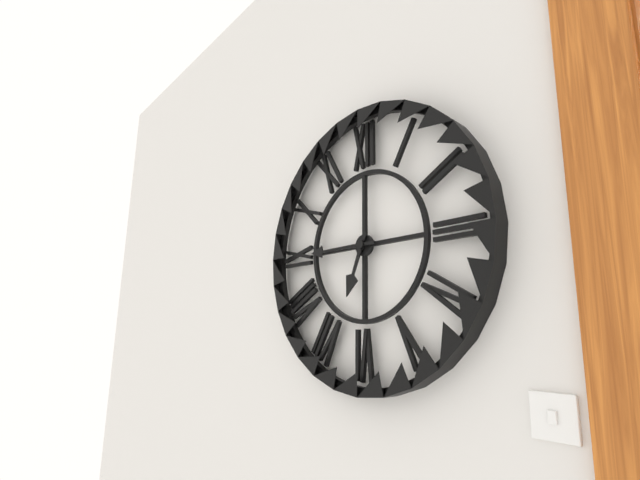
6:45
